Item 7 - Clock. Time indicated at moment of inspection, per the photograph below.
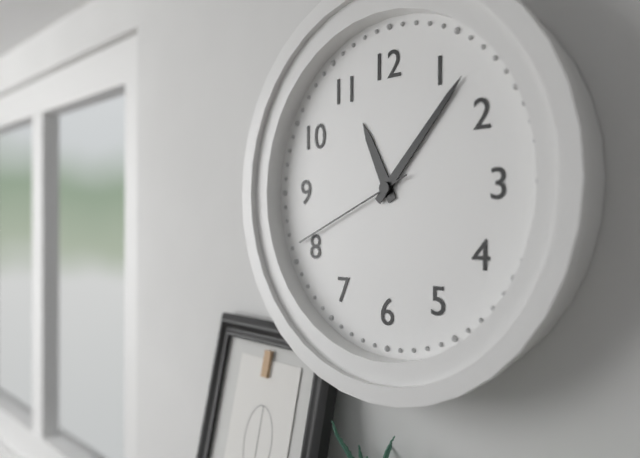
11:07:41
